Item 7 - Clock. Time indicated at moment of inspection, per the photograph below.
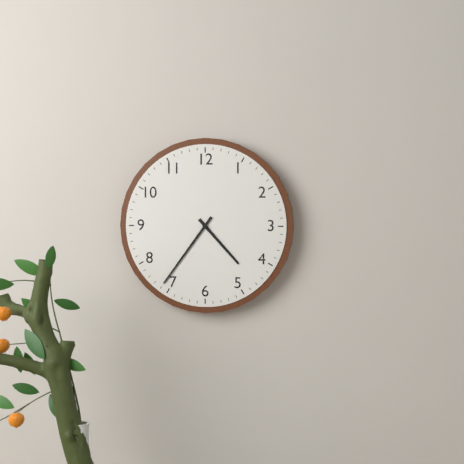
4:36
